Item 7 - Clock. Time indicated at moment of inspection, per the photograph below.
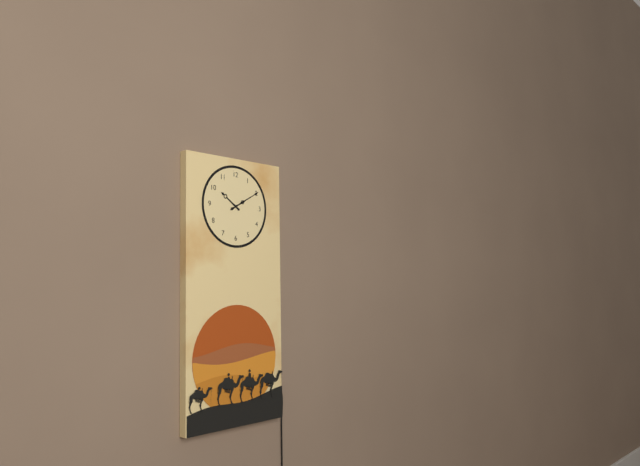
10:10
